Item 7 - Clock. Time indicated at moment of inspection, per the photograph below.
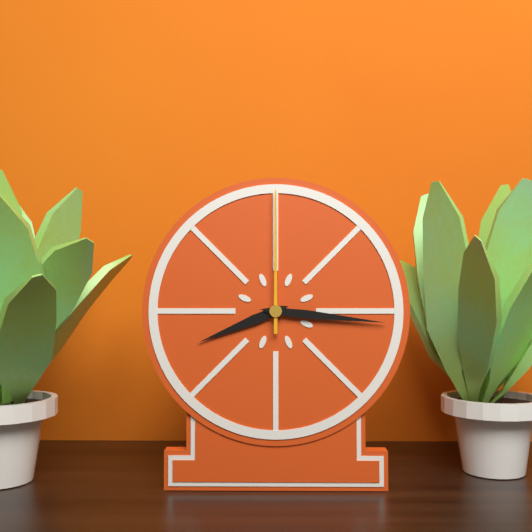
8:16:00
